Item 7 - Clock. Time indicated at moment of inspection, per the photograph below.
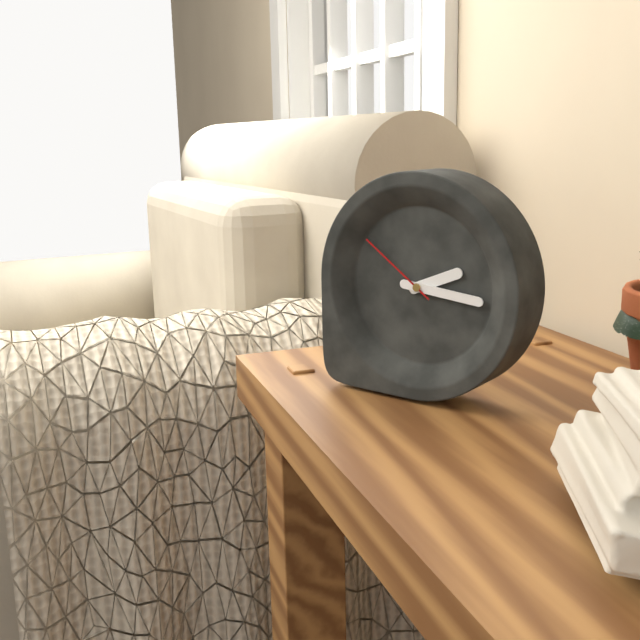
2:16:51
